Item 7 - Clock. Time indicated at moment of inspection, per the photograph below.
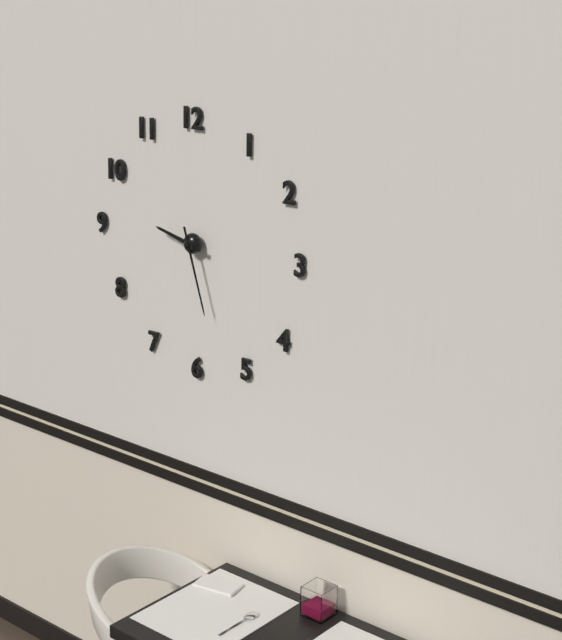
9:27
